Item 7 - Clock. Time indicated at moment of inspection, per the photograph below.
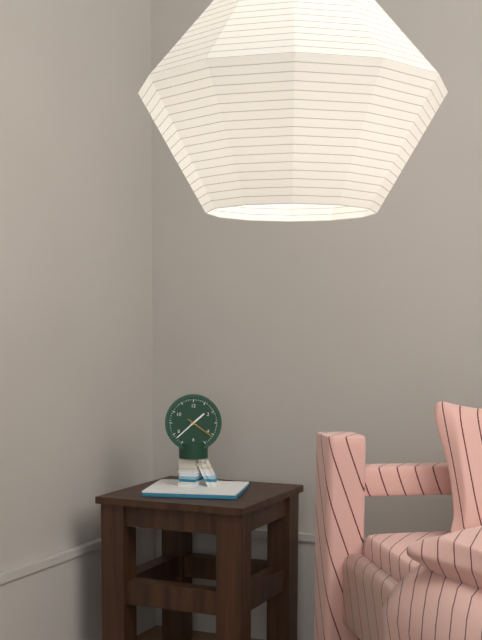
1:38
